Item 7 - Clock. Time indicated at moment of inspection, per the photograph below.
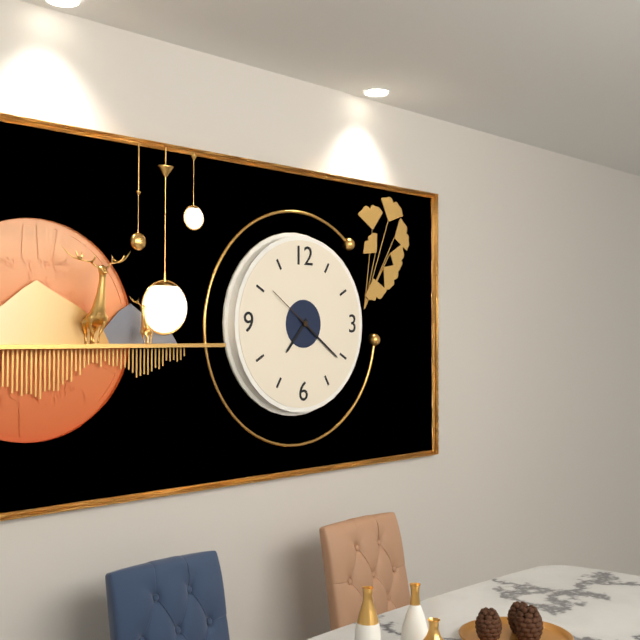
7:21:51
